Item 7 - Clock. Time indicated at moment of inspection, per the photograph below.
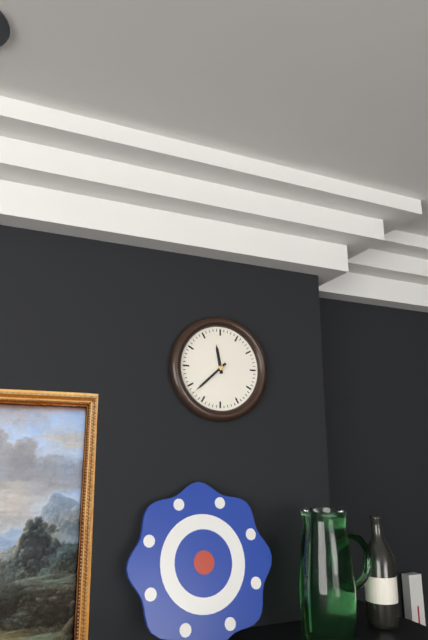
11:38
